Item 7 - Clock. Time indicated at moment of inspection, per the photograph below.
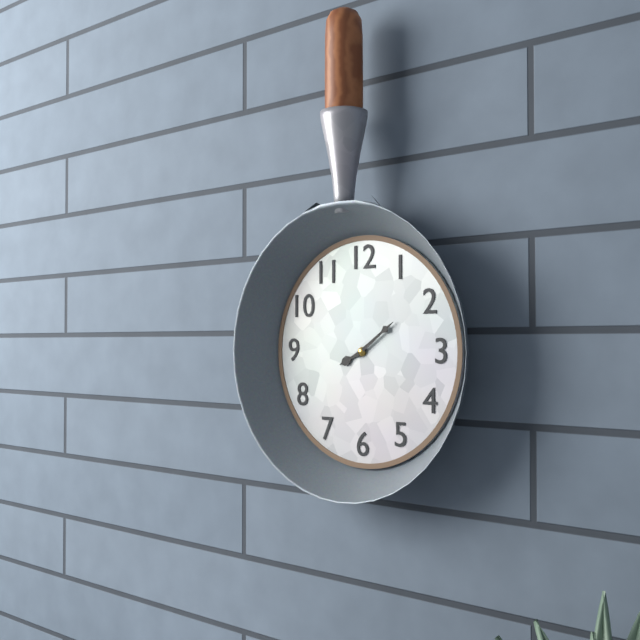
8:09
